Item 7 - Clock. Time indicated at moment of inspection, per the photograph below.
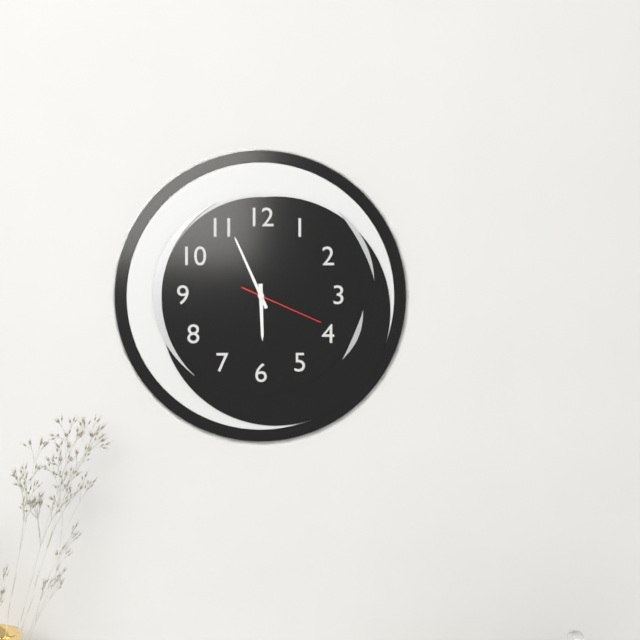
5:56:19
